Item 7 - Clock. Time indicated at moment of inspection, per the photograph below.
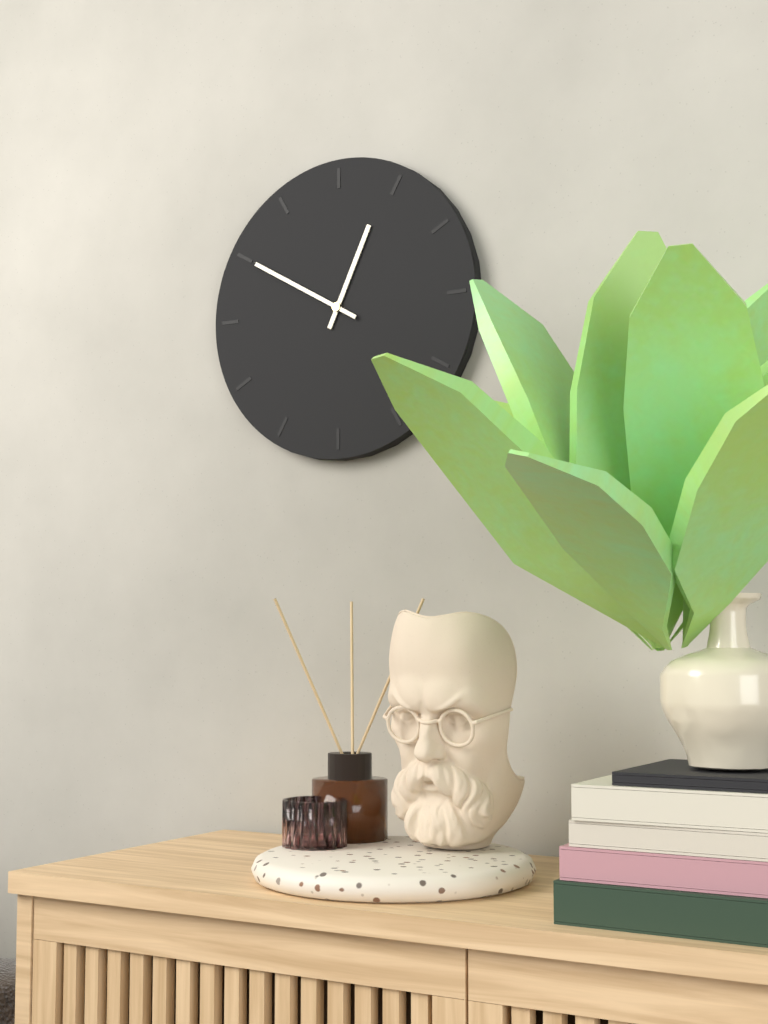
12:50
